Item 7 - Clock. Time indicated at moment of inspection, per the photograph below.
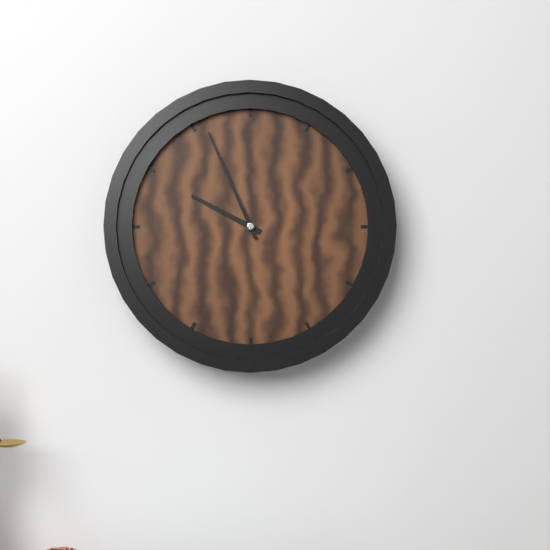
9:56
